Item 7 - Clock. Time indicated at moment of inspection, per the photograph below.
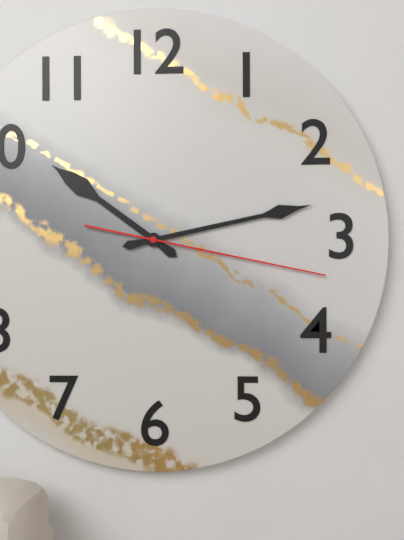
10:13:17
